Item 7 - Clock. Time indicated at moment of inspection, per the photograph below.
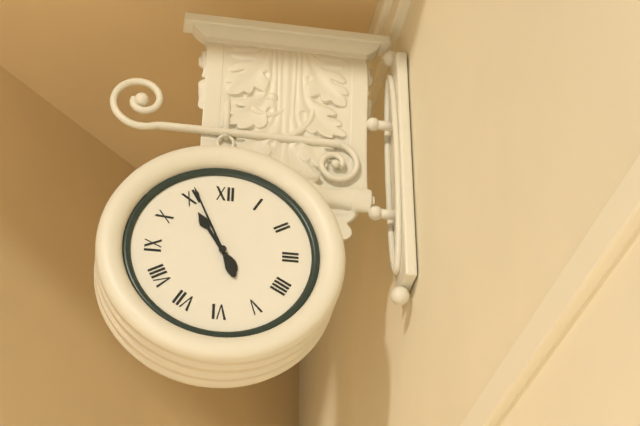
10:56
